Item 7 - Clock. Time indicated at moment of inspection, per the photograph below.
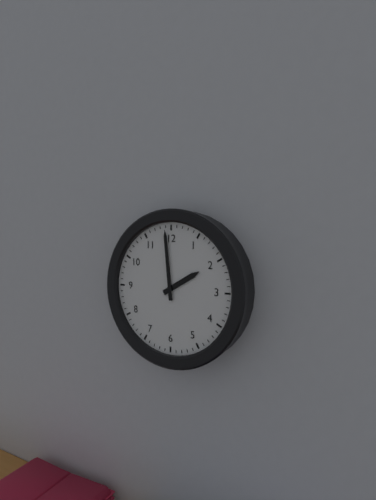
1:59
